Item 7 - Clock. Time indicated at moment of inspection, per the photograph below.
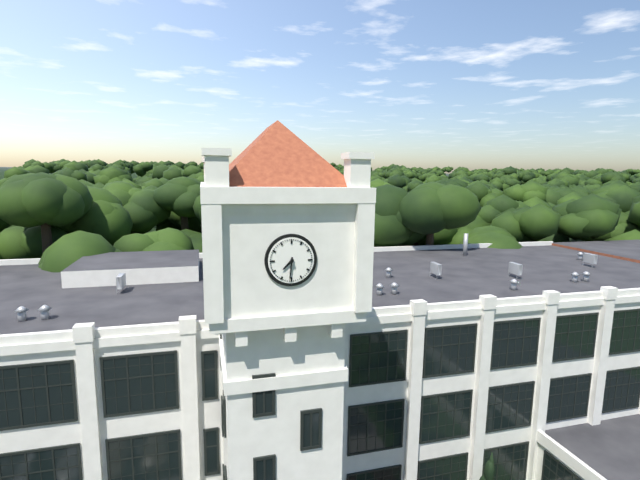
7:31
